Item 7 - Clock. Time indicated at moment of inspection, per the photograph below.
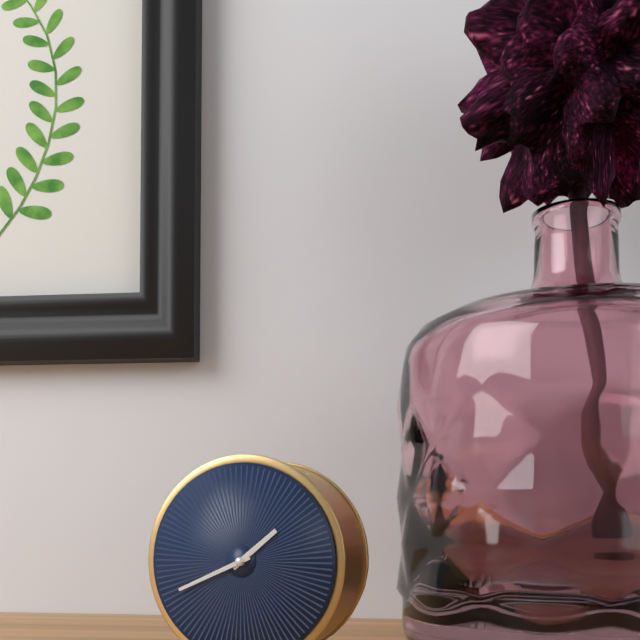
1:41
